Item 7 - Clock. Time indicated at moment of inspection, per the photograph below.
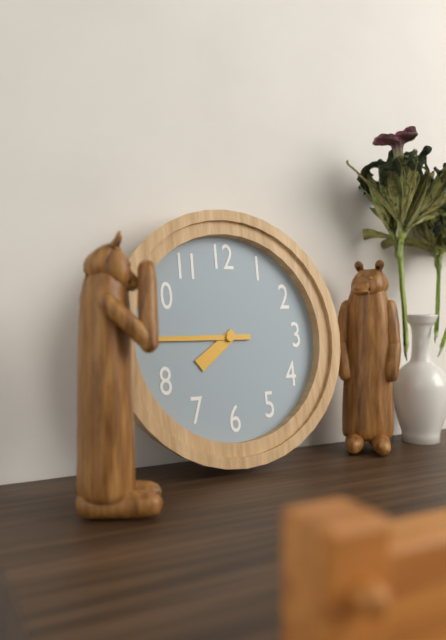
7:45
